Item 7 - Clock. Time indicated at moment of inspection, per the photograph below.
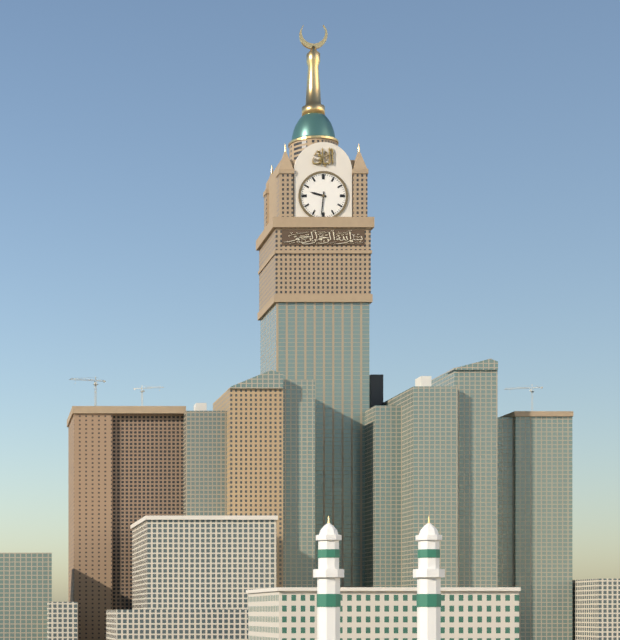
9:31
